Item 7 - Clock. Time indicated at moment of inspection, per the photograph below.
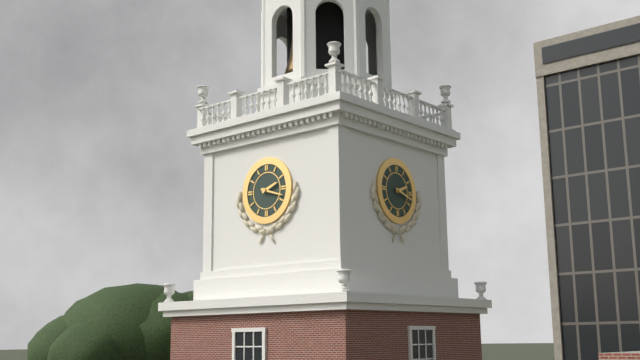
2:18
